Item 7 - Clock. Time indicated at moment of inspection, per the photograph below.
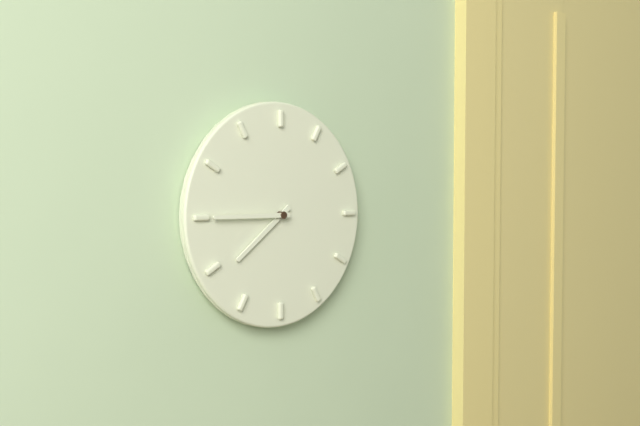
7:45
